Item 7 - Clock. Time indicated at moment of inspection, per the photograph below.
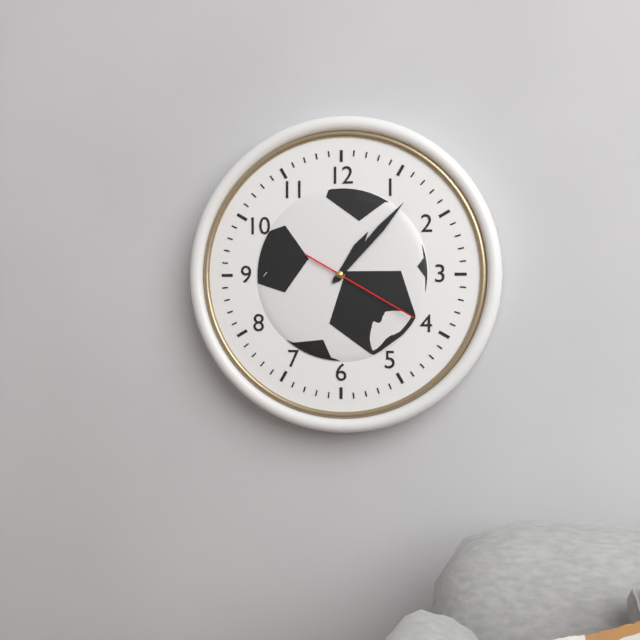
1:07:20
